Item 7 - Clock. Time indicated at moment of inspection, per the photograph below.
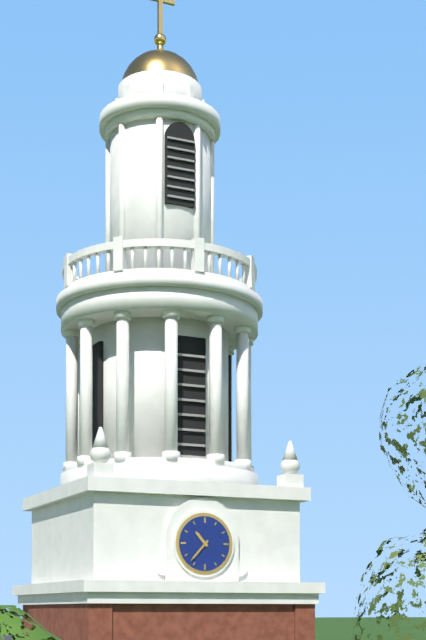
10:37
